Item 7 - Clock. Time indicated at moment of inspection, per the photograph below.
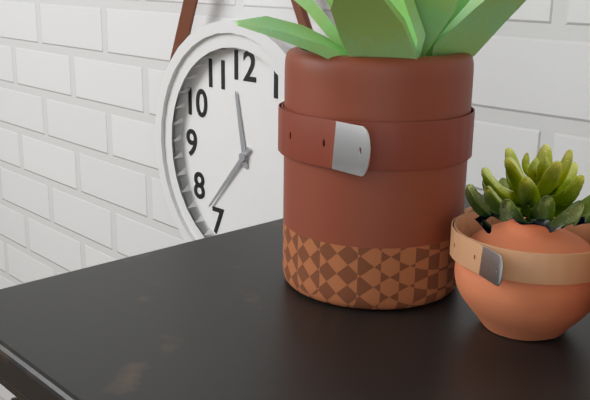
11:37
